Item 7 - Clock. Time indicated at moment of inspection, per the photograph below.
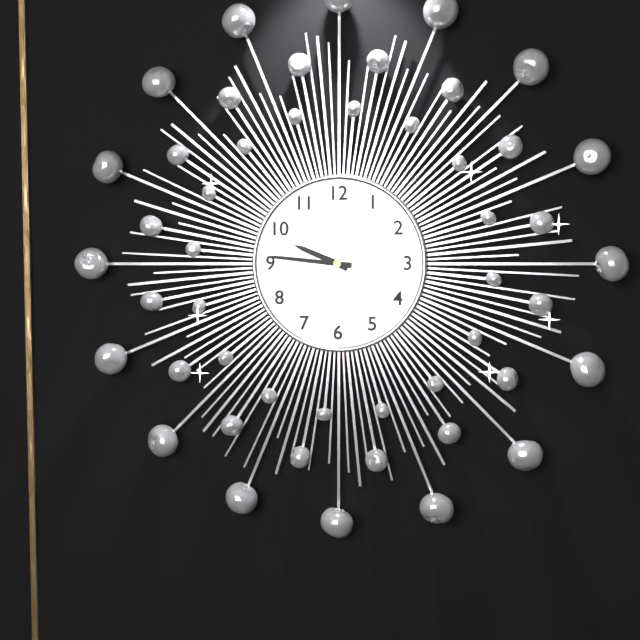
9:46
